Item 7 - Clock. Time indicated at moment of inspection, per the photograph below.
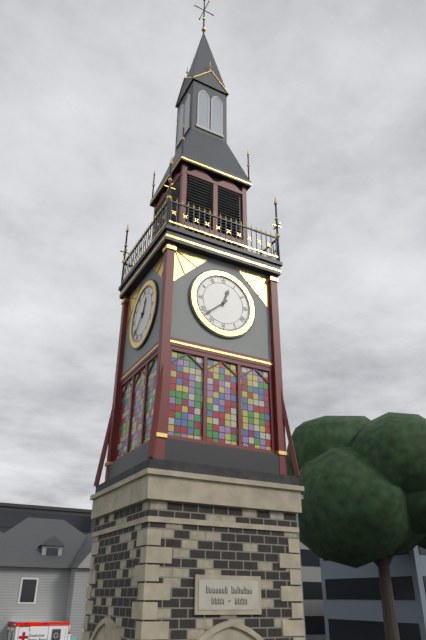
12:38
